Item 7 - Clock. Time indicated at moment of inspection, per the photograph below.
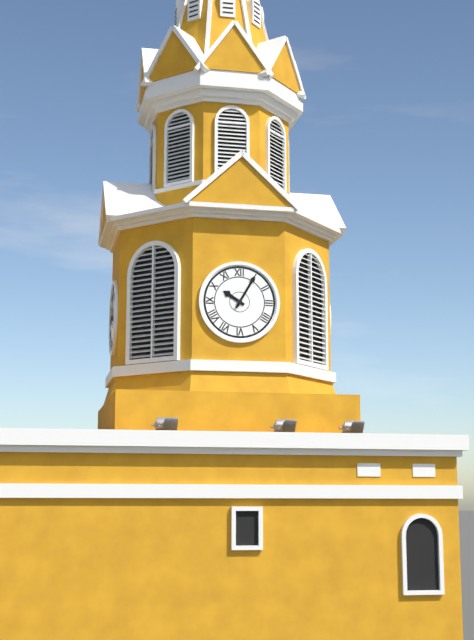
10:05
